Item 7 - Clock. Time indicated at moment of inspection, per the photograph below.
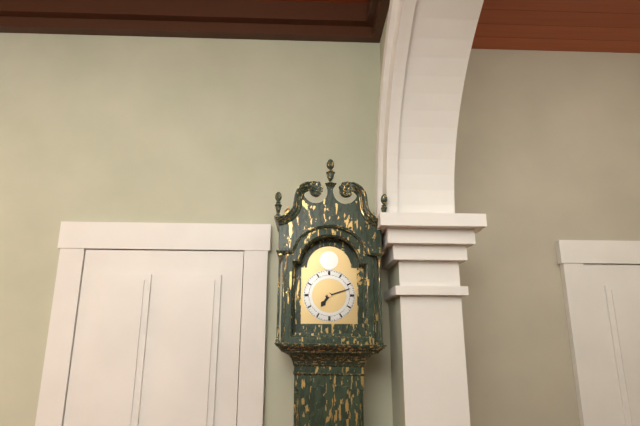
7:12
